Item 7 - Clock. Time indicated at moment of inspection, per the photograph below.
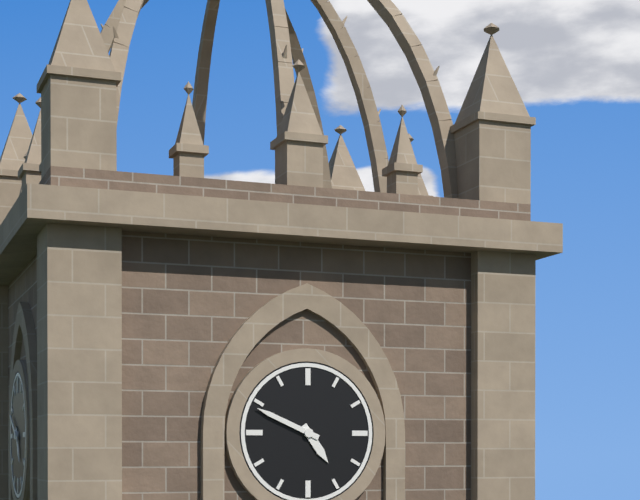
4:49
